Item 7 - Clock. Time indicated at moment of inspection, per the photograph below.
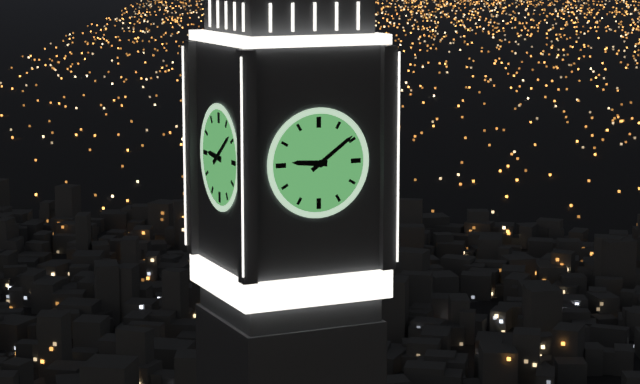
9:09
